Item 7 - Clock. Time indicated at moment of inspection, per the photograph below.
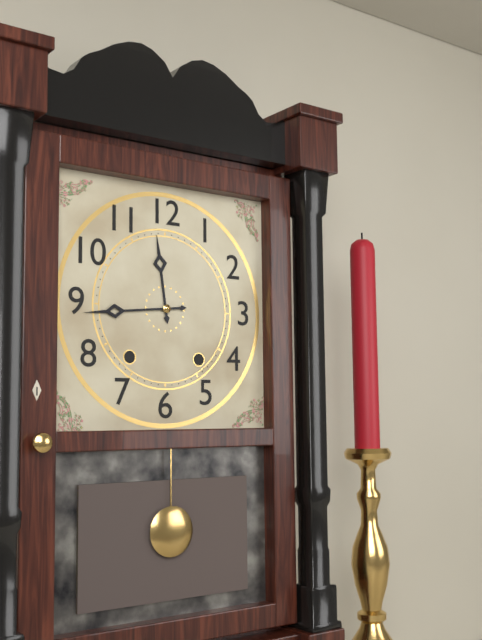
11:44
